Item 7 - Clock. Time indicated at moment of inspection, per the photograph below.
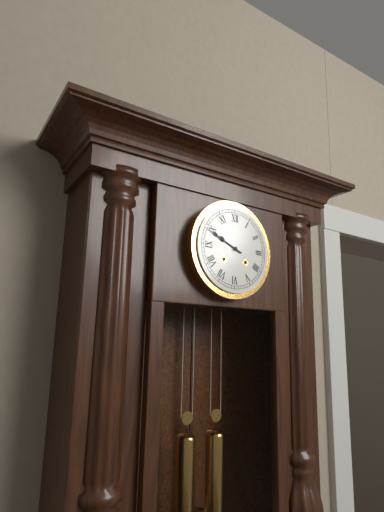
9:49
